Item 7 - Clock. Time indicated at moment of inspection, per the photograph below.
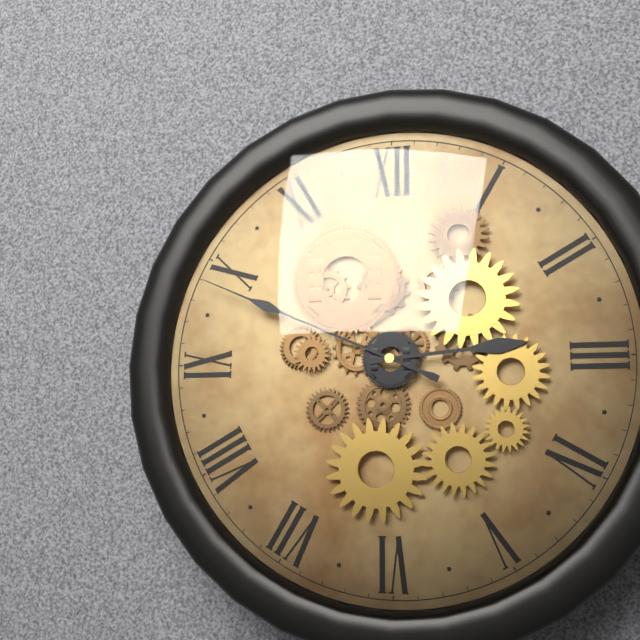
2:49
